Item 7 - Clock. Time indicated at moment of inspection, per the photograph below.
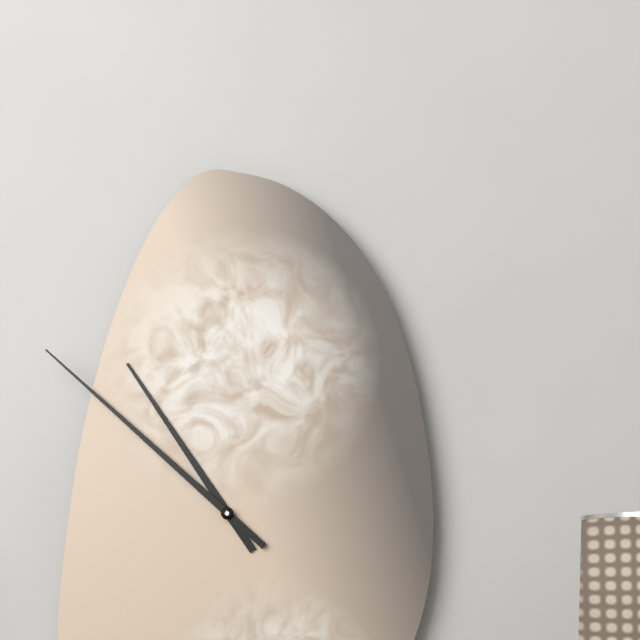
10:52
